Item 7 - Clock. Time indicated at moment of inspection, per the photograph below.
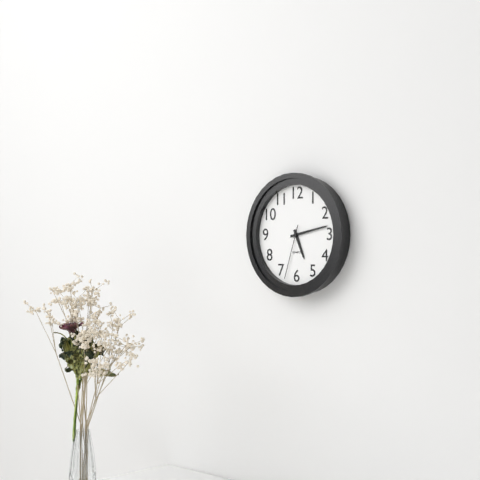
5:13:33
